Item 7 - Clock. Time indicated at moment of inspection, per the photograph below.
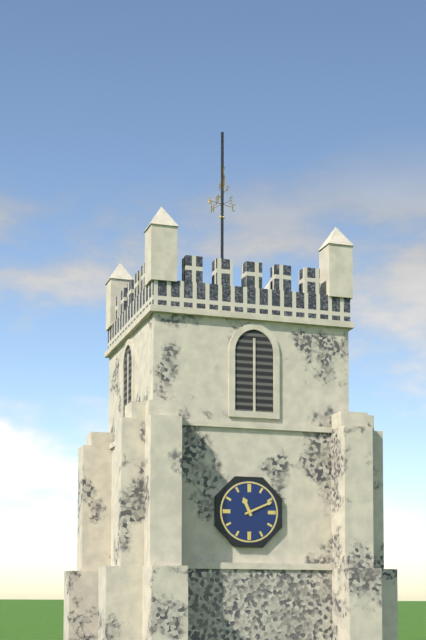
11:11
